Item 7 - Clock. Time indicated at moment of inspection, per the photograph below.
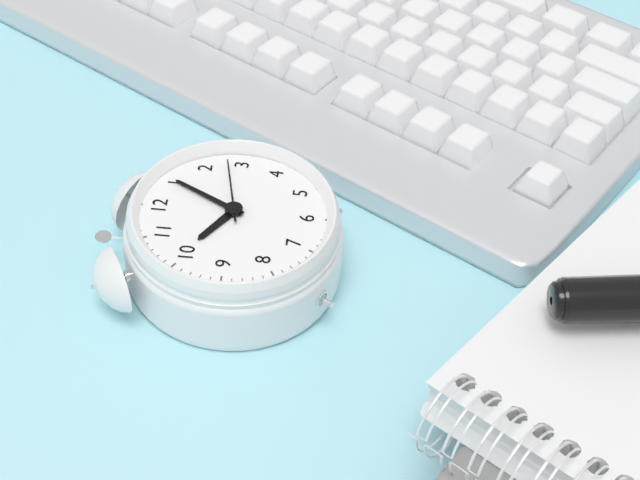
10:05:13
